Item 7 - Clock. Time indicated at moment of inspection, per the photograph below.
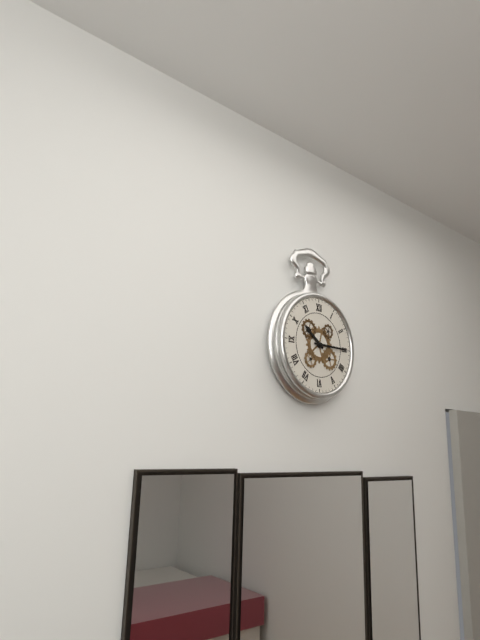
10:15
